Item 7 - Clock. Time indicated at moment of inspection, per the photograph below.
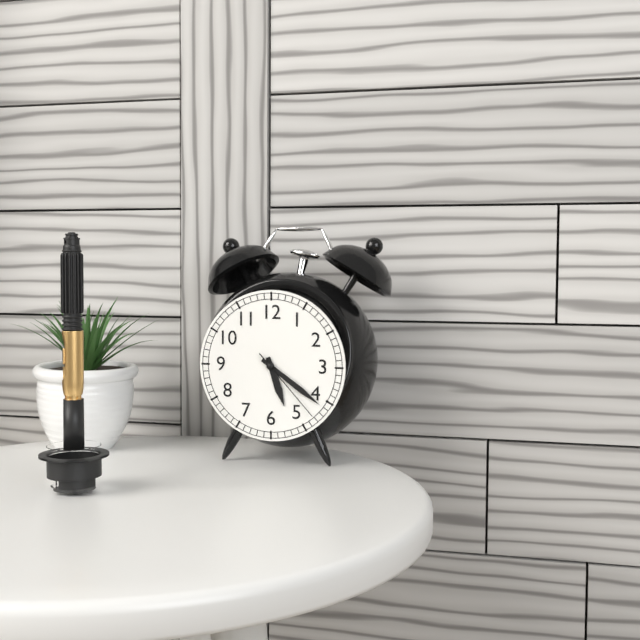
5:21:23
